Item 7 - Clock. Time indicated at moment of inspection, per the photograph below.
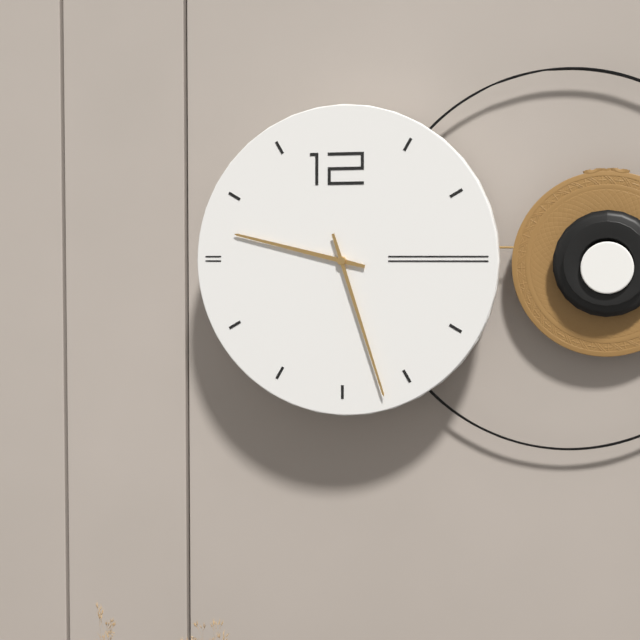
9:27
